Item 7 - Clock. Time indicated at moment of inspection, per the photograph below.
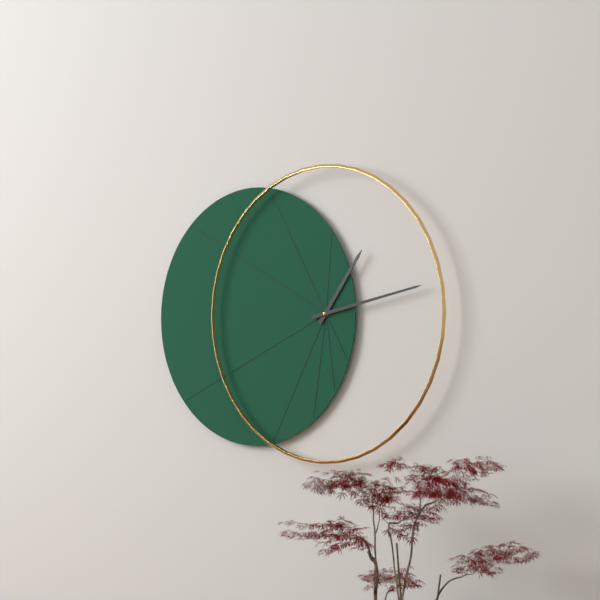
1:13
